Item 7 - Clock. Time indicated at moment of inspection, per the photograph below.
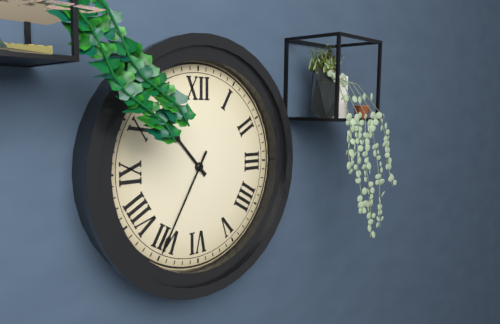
10:35
